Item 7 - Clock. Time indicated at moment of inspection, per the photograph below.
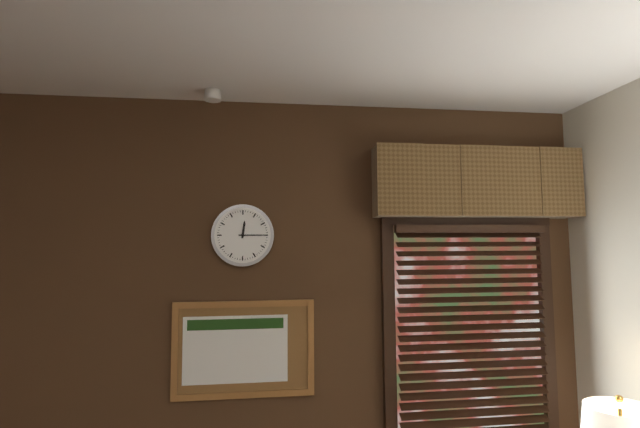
12:15
